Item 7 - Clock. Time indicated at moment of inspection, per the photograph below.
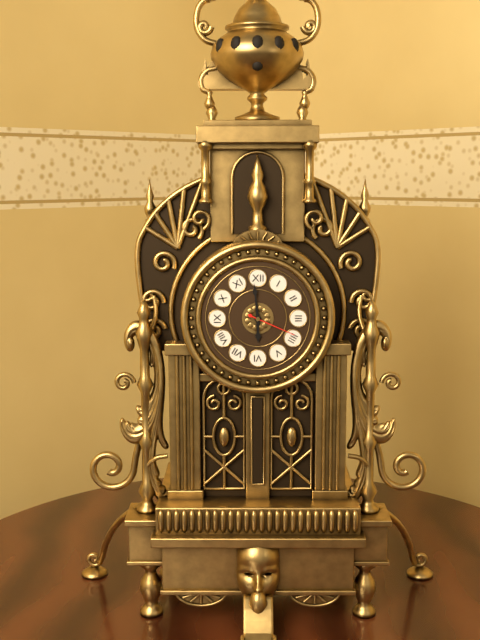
5:59:19
